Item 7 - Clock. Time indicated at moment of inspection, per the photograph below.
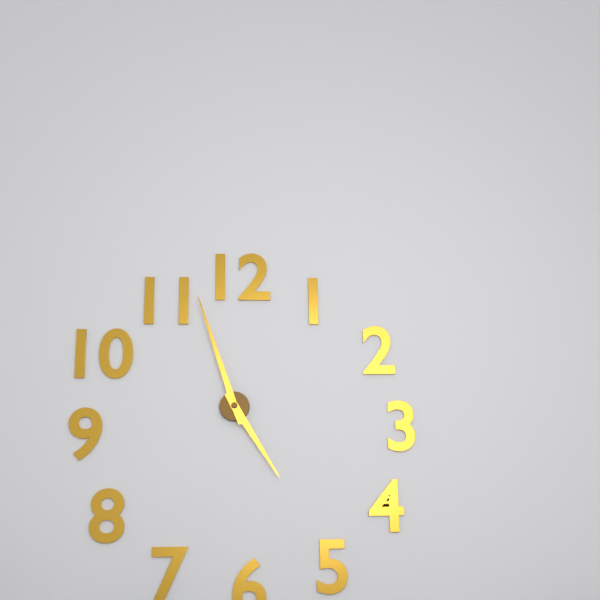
4:57
